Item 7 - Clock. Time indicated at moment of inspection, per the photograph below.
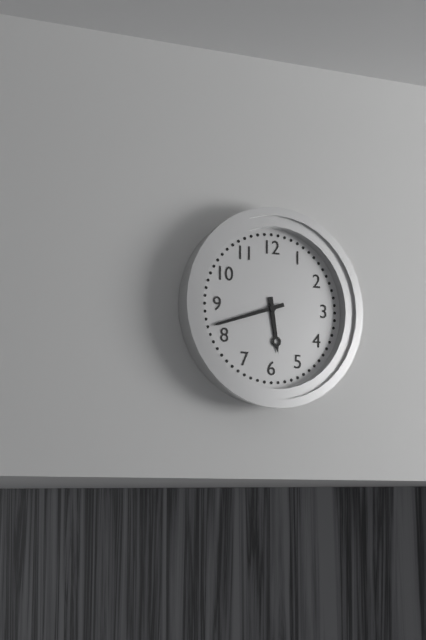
5:42
